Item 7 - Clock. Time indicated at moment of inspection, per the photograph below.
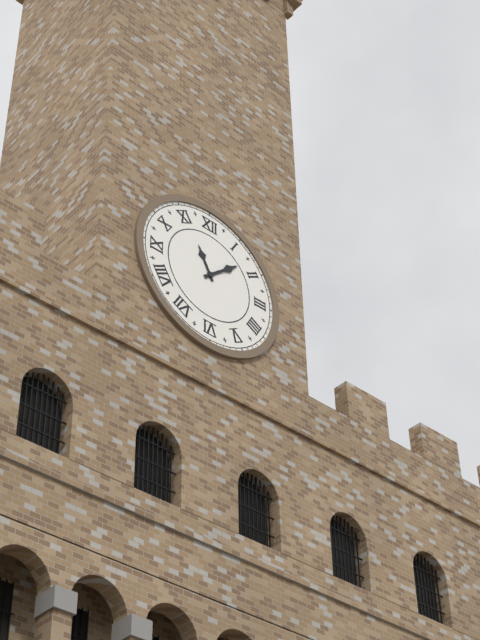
11:08
